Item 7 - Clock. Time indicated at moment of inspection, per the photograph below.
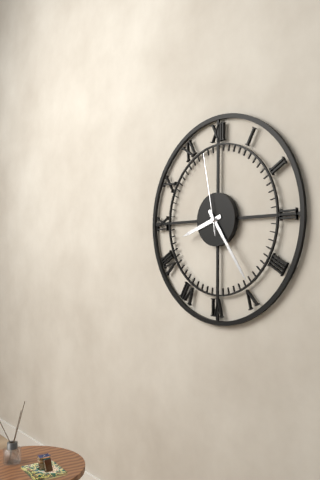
8:24:58
